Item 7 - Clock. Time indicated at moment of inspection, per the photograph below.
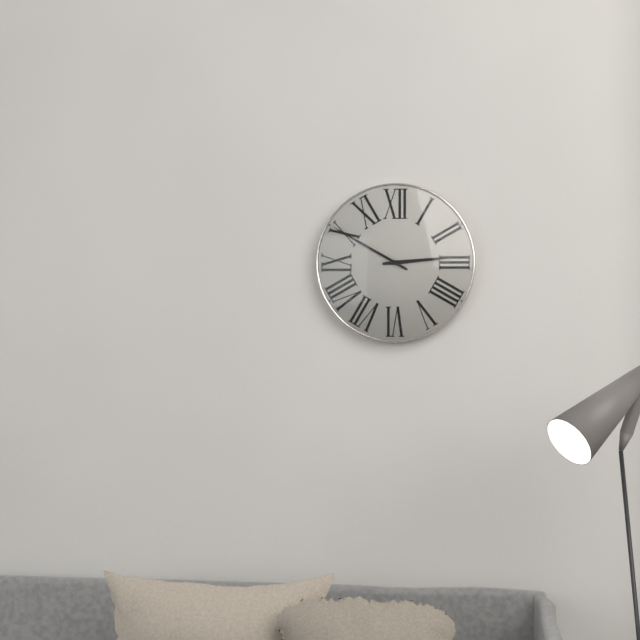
2:50
